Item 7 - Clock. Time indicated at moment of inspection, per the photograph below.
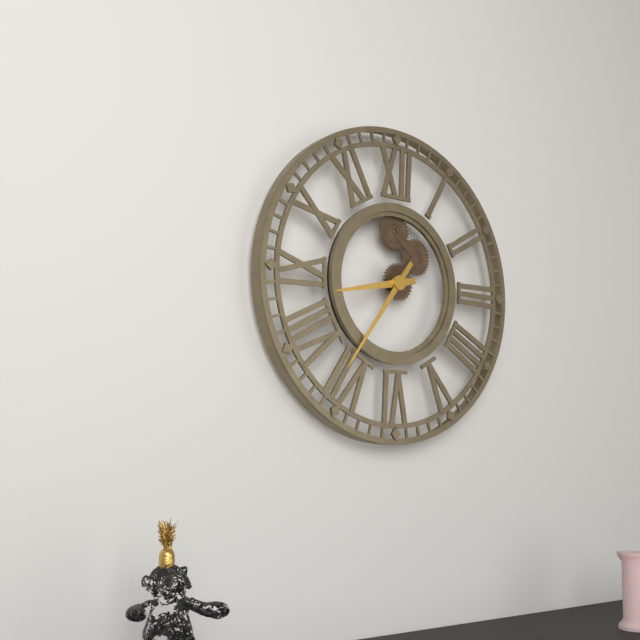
8:36
